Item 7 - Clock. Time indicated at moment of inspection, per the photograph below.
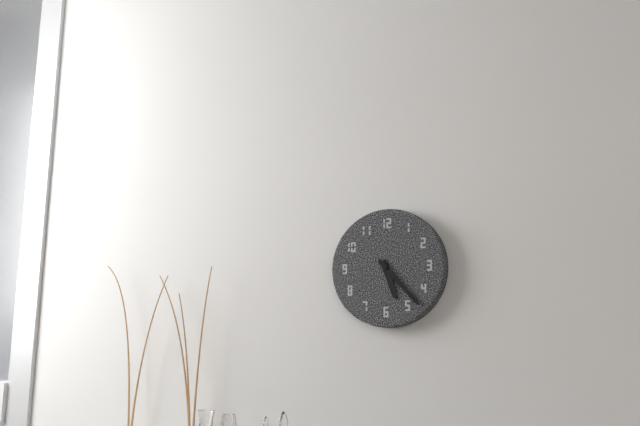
5:23
